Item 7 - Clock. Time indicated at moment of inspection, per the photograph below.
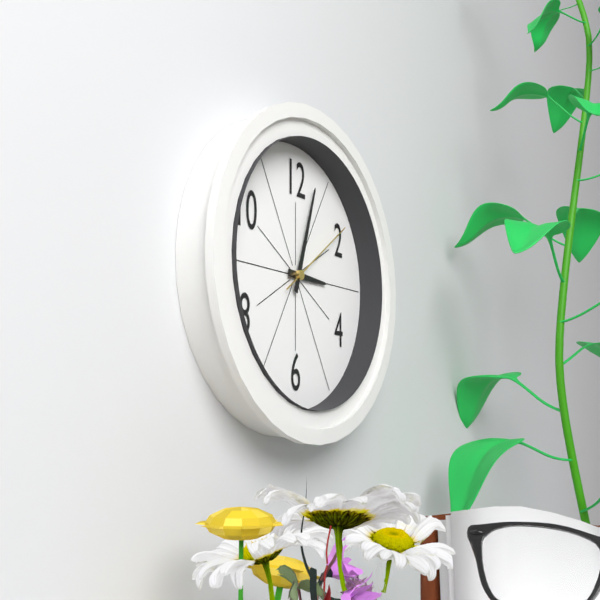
3:03:09
